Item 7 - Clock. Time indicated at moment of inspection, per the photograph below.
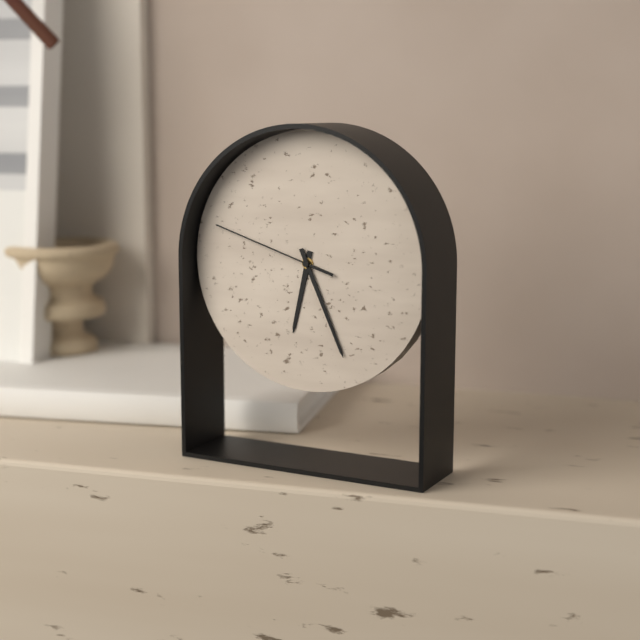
6:26:48
